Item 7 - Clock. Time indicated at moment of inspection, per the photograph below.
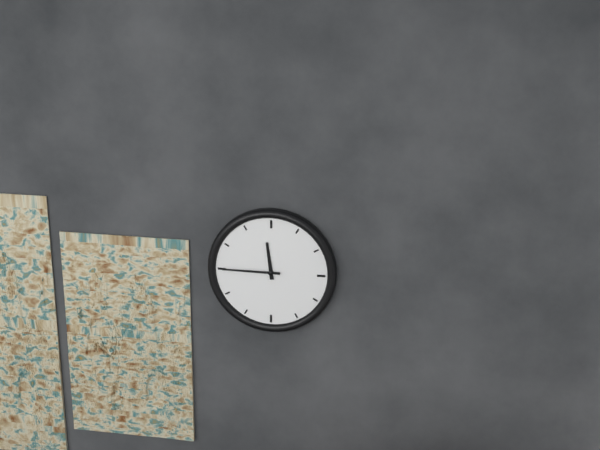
11:45
